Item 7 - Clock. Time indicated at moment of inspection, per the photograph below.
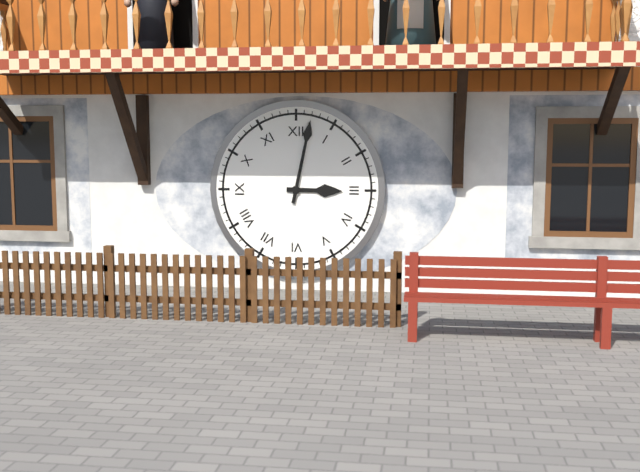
3:02
